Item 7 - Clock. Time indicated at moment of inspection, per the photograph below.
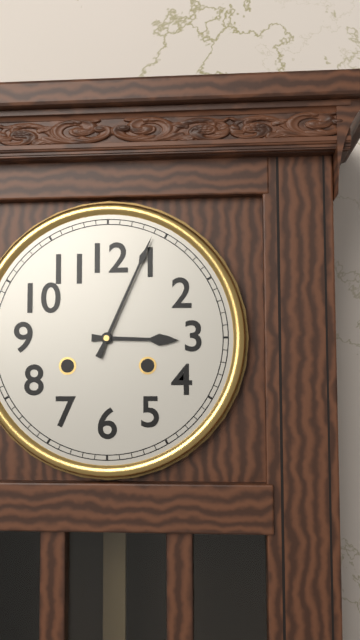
3:04
